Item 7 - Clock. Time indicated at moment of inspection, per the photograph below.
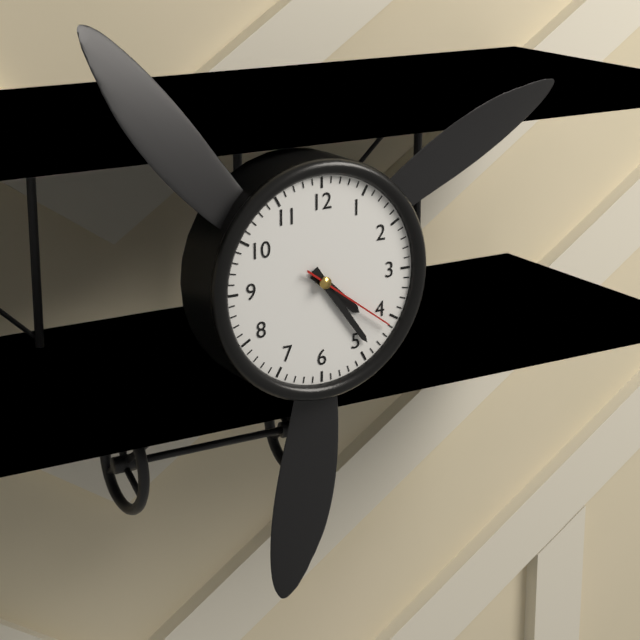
4:24:21
